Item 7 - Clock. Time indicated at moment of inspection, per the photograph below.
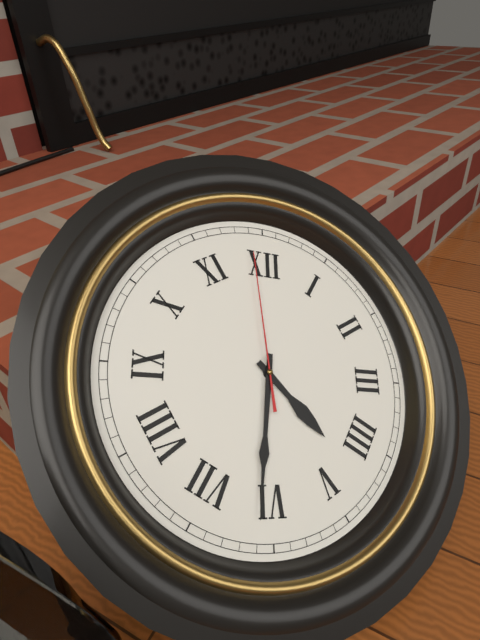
4:31:59
